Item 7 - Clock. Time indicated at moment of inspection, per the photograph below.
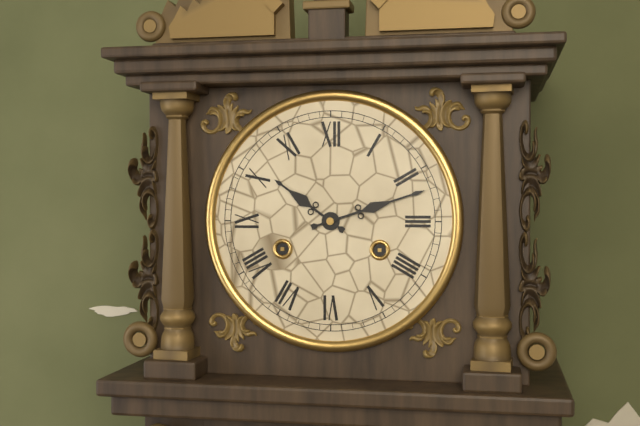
10:12
